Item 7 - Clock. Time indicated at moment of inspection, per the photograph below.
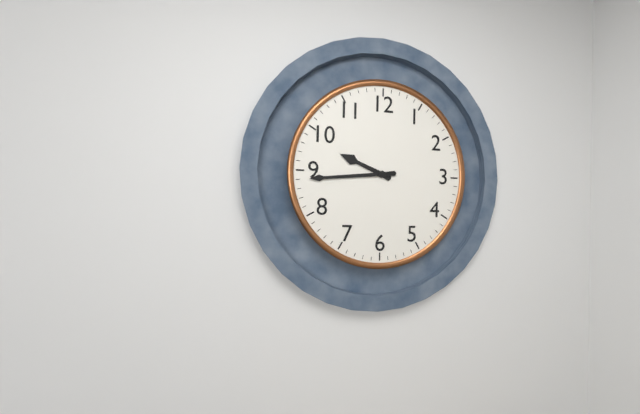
9:44
